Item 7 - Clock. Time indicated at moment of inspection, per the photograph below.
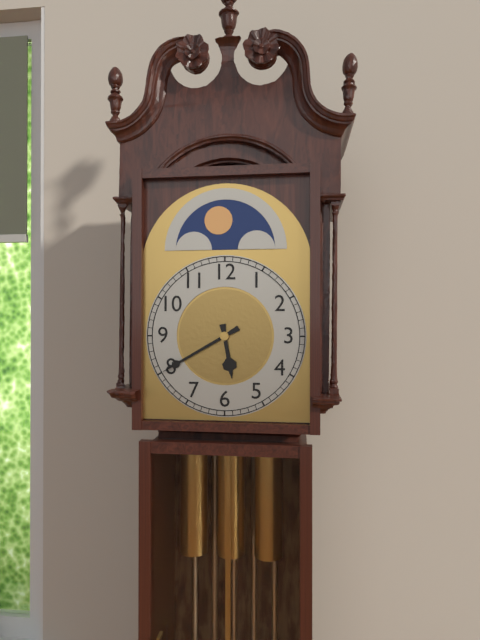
5:40
